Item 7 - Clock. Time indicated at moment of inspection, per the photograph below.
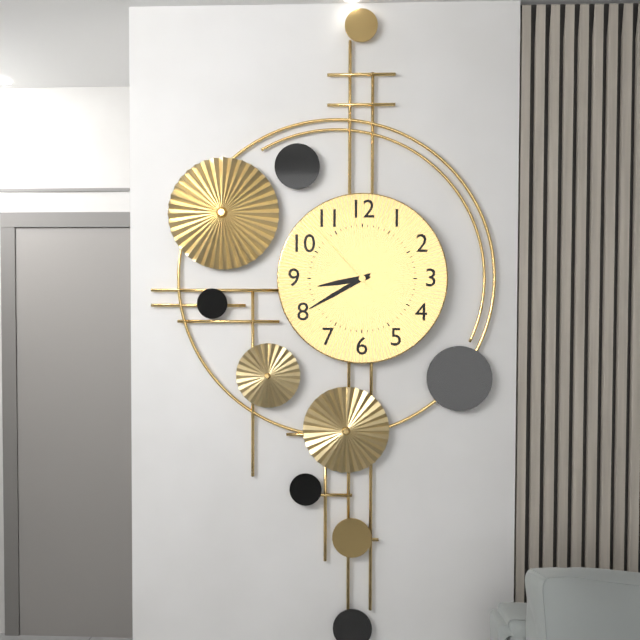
8:40:53
